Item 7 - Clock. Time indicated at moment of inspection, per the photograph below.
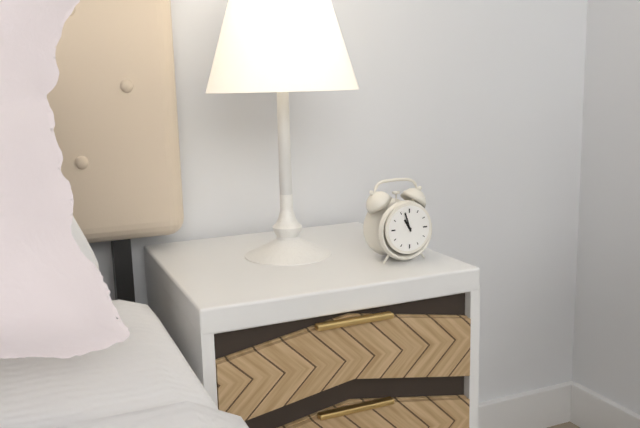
10:57
